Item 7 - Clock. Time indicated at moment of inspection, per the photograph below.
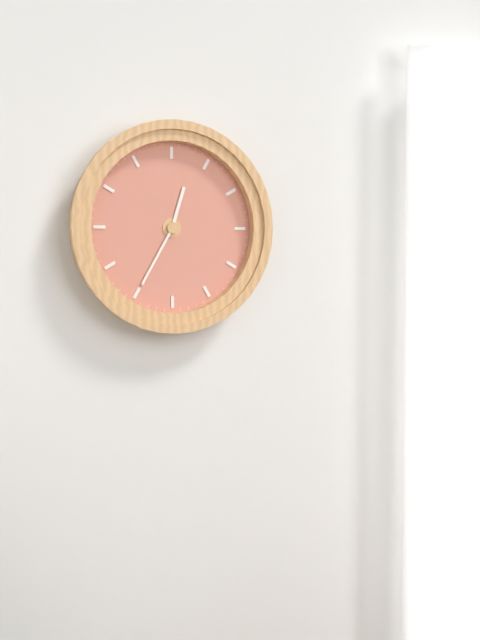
12:35
